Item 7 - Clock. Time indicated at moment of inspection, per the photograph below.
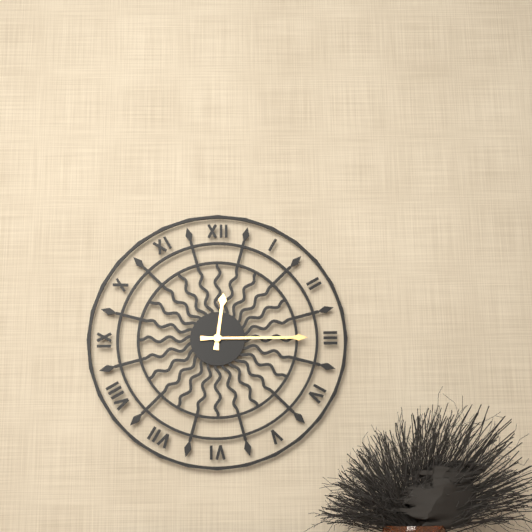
12:15
